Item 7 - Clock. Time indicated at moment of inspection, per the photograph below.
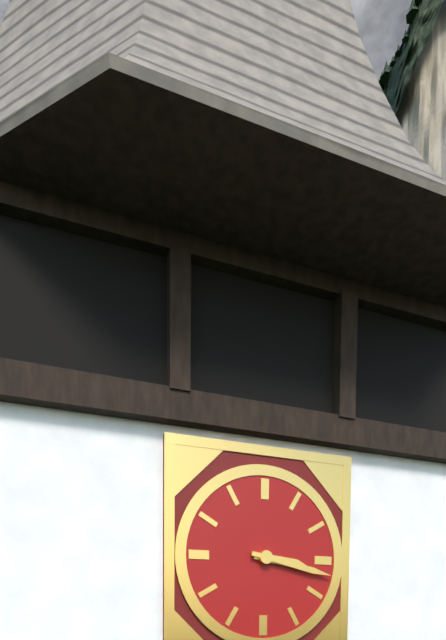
3:17
